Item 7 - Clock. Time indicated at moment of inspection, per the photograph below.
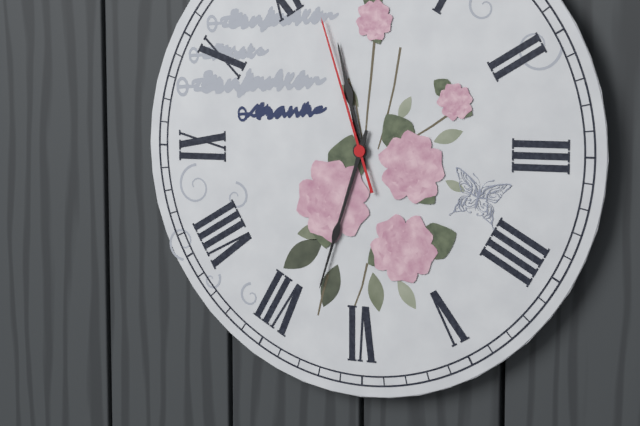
11:33:57
